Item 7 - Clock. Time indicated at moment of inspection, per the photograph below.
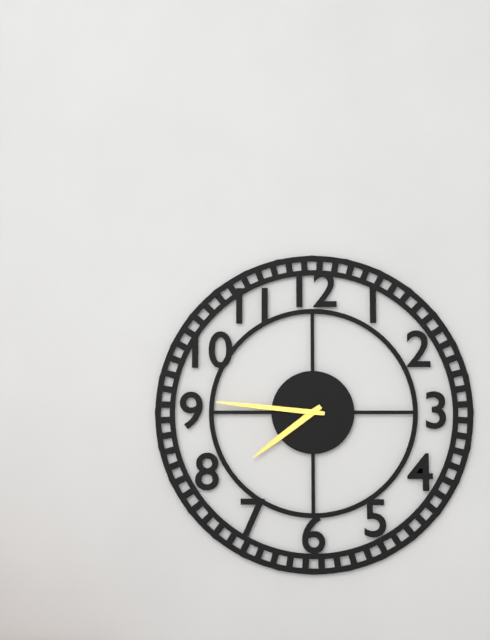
7:46
